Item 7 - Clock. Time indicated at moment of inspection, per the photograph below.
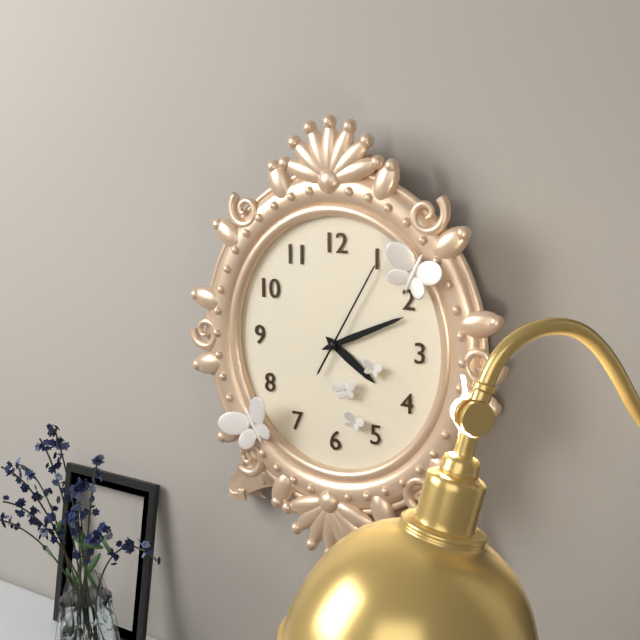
4:11:05
